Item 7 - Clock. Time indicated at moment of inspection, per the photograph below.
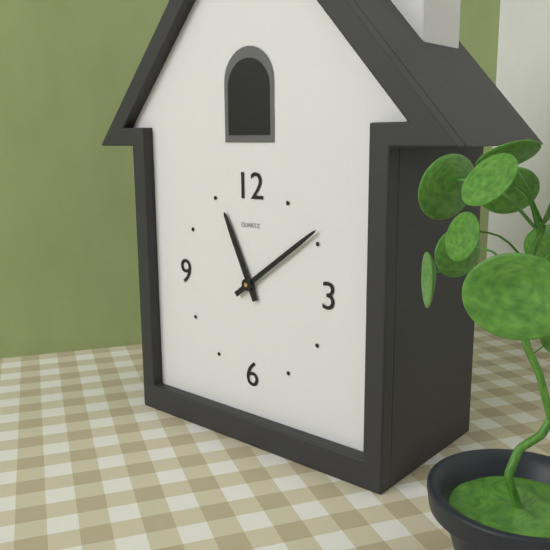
11:09
